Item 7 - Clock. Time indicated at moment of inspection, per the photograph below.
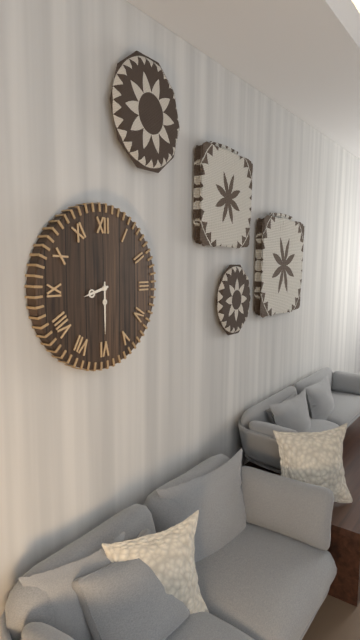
8:30
